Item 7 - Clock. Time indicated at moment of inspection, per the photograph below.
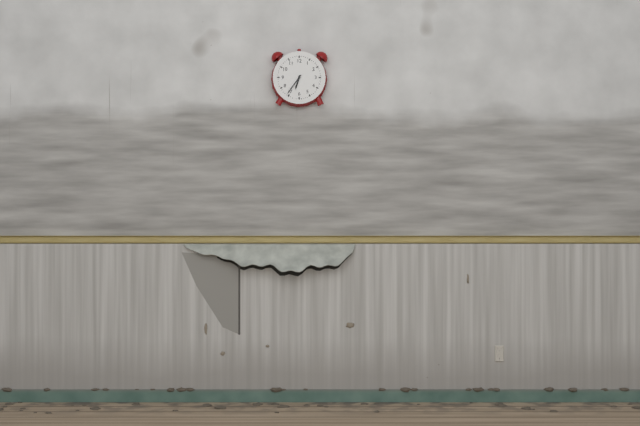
6:36
